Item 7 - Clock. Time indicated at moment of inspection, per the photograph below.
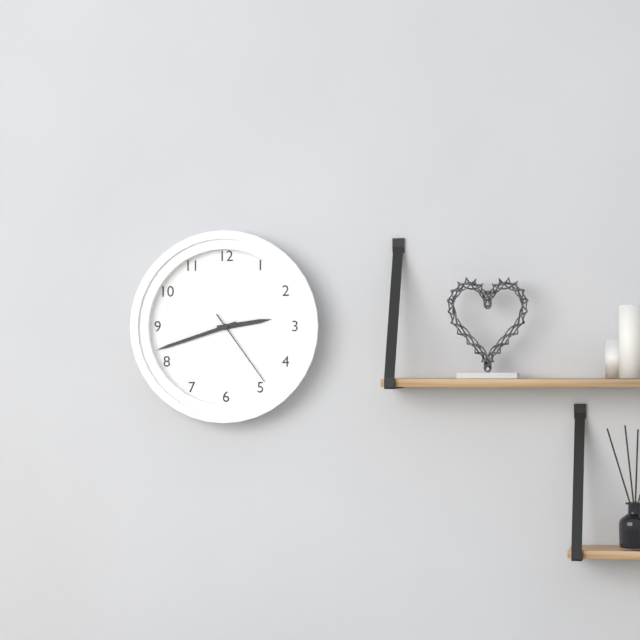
2:42:24
